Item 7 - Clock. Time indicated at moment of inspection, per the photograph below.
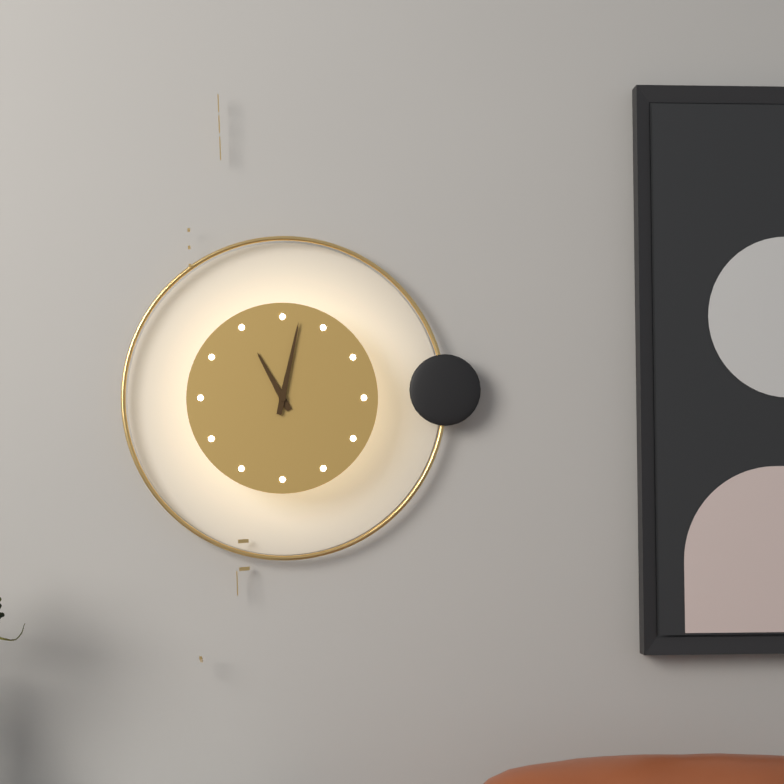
11:02
